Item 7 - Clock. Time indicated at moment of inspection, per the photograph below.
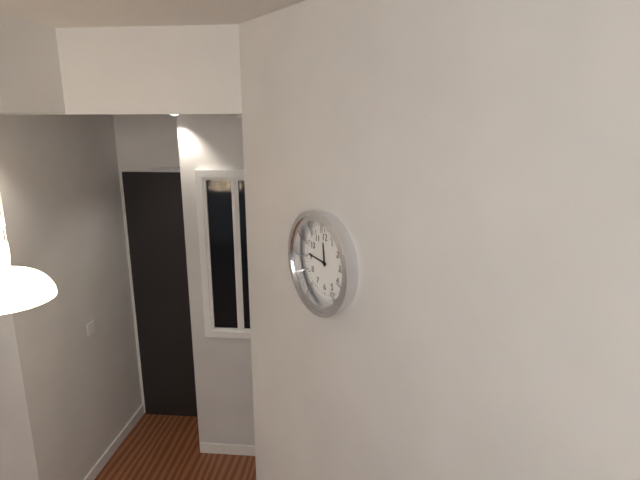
11:46
